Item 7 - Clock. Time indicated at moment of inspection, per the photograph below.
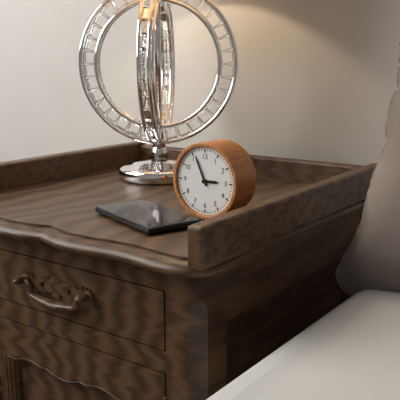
2:56
